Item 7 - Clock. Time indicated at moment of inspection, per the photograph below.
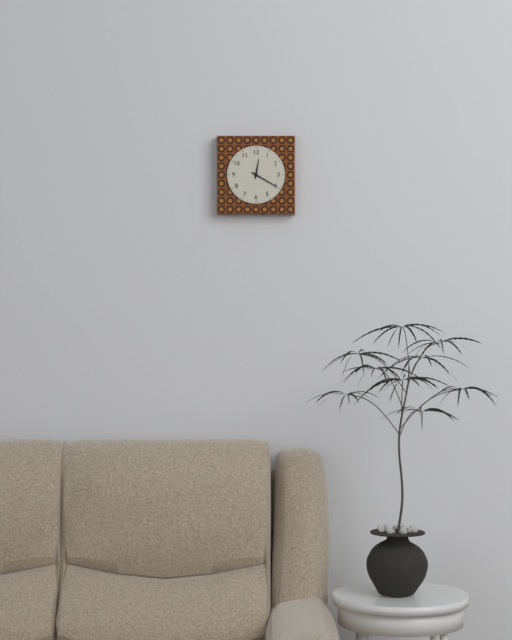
12:20
